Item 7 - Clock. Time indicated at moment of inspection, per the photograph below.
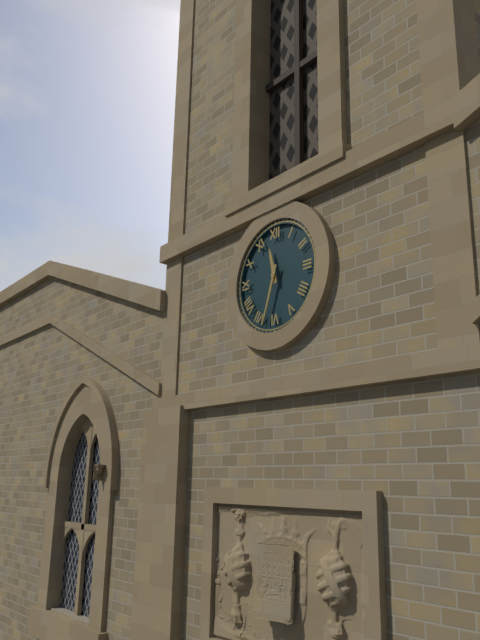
11:33
